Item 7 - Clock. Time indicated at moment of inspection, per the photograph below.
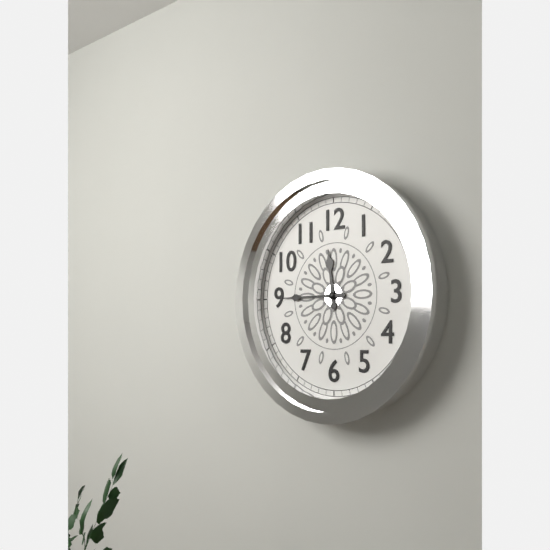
11:45
